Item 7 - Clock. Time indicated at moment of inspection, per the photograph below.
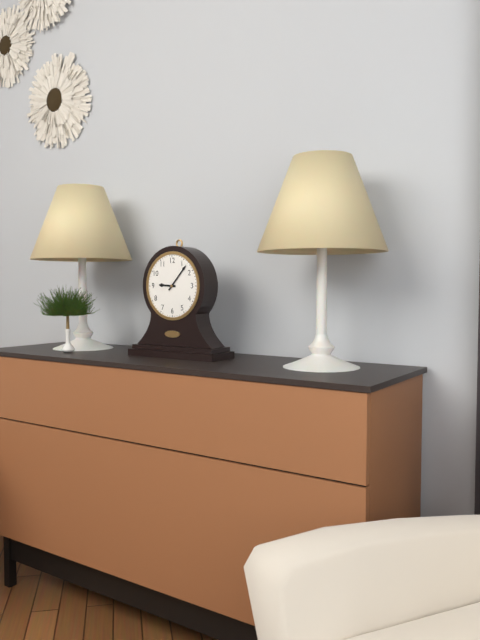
9:07
